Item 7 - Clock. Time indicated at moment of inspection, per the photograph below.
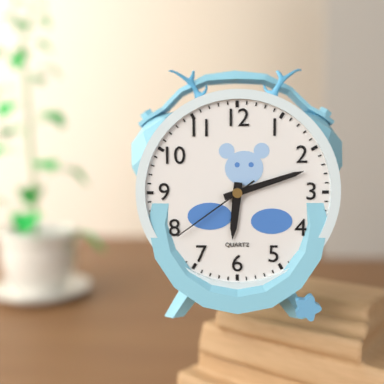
6:12:39
